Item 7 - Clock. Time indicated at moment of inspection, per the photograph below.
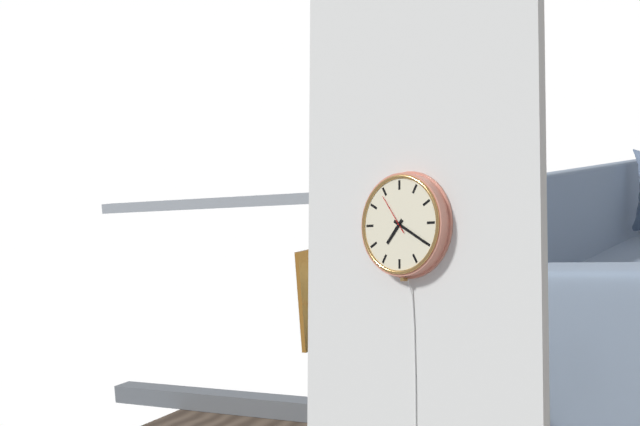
7:20
